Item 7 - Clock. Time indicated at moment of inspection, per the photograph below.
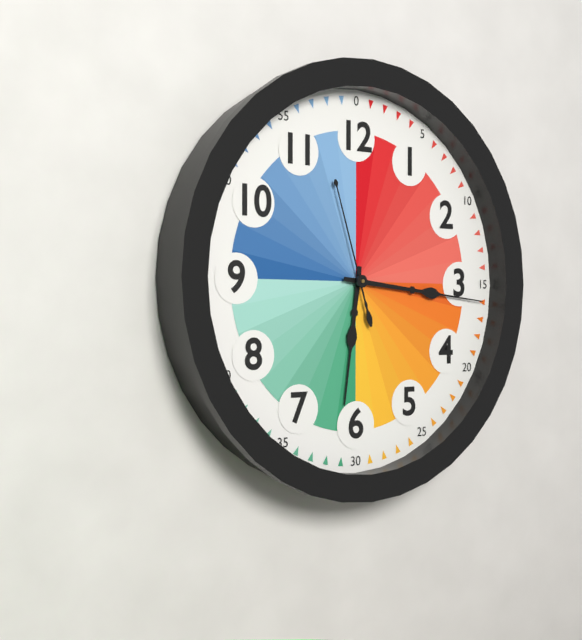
6:16:57
